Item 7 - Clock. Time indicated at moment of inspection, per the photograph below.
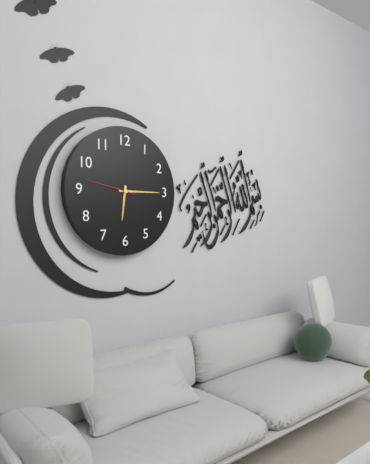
6:15:47
